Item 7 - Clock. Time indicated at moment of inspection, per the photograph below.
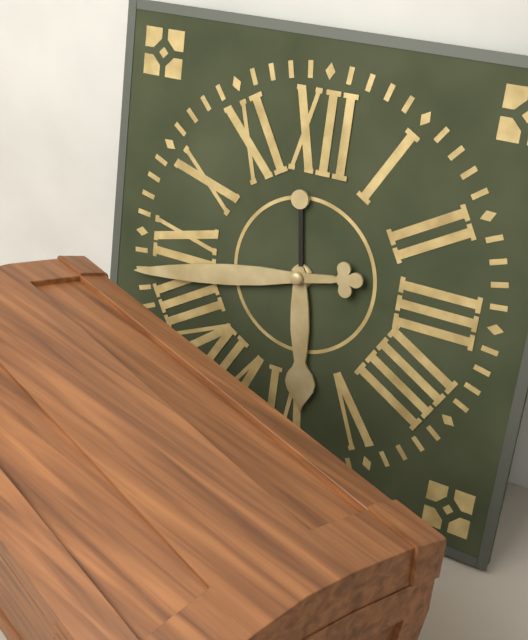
5:43
